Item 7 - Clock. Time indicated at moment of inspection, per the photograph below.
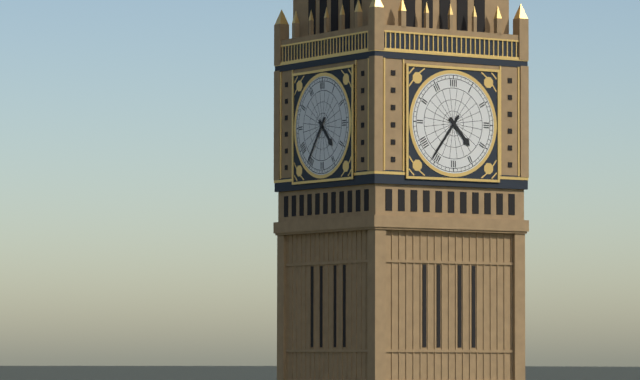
4:36
